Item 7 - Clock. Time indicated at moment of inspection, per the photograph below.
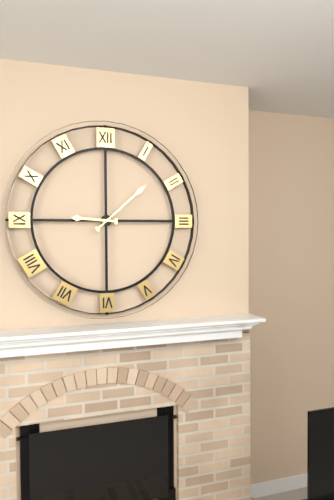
9:08
